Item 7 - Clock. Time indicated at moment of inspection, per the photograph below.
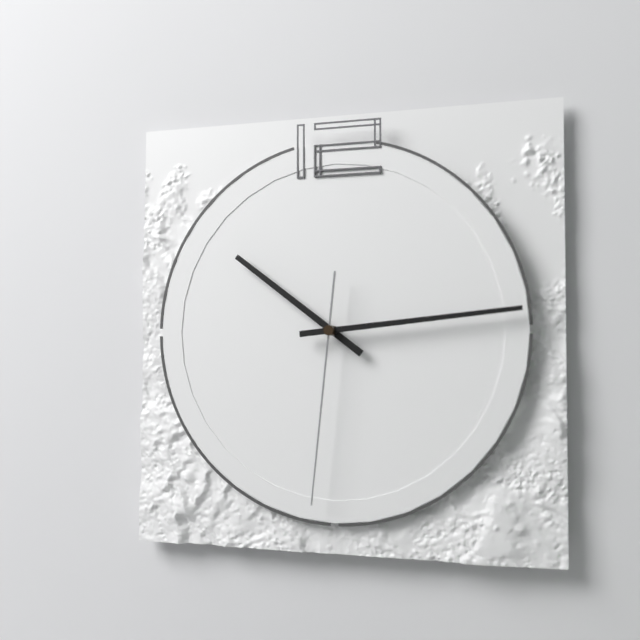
10:14:31
